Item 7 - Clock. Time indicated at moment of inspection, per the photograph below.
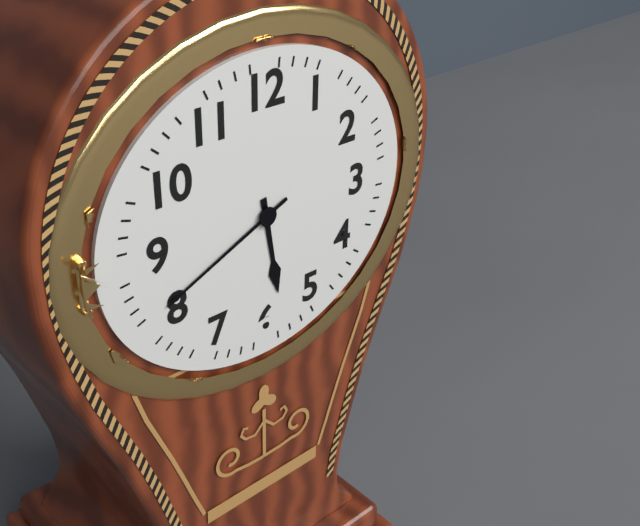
5:41
